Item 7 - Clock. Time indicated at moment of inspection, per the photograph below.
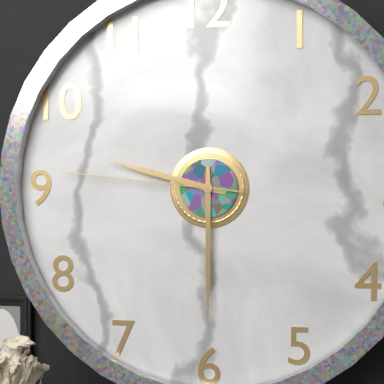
9:30:46
